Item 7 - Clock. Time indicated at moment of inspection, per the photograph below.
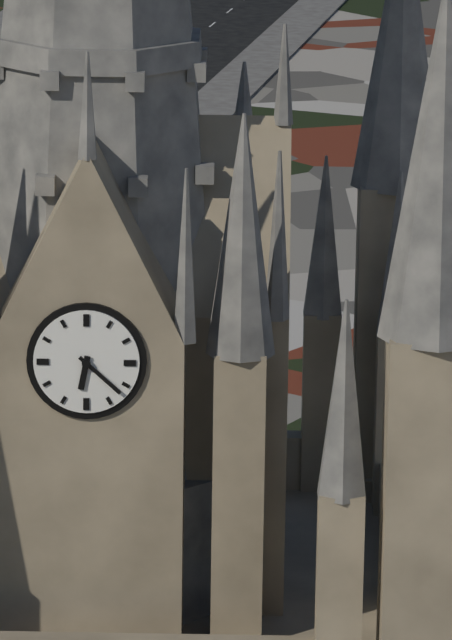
6:22
